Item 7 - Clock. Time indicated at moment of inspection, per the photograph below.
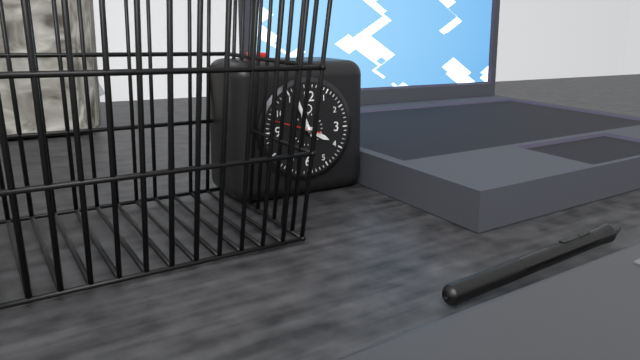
3:56
